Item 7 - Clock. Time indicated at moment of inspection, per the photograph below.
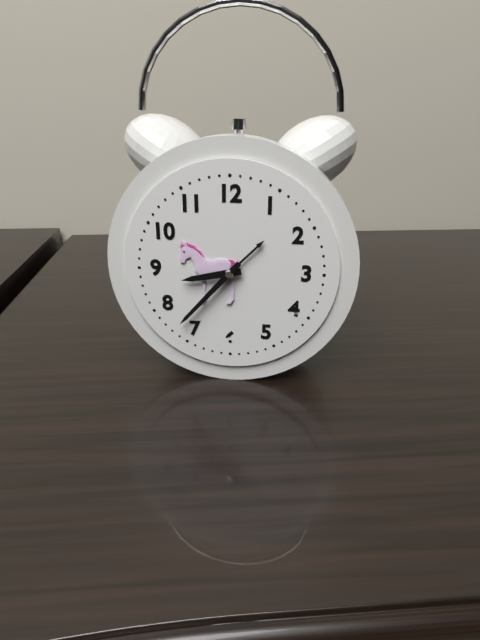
8:37
